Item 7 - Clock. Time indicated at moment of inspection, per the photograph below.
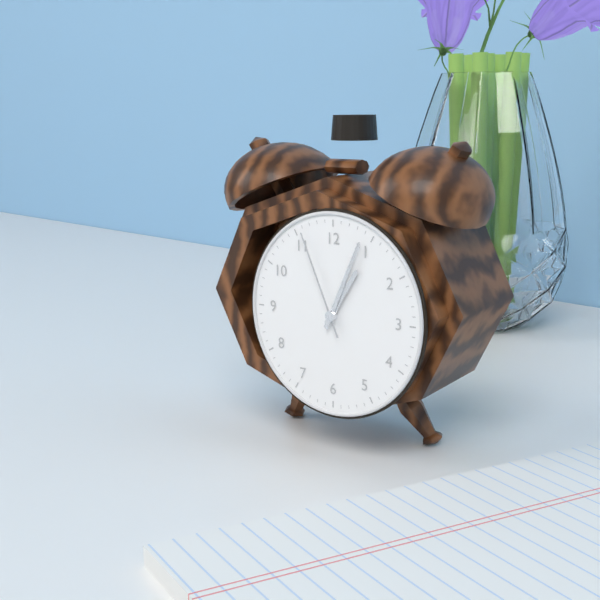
1:04:56
